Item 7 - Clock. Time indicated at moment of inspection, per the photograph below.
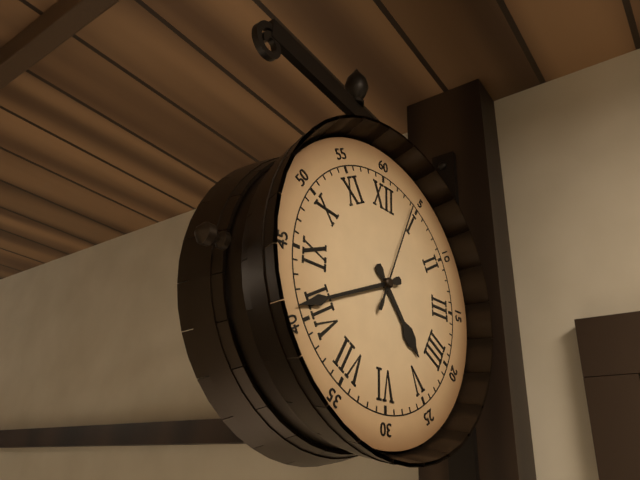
4:41:04
